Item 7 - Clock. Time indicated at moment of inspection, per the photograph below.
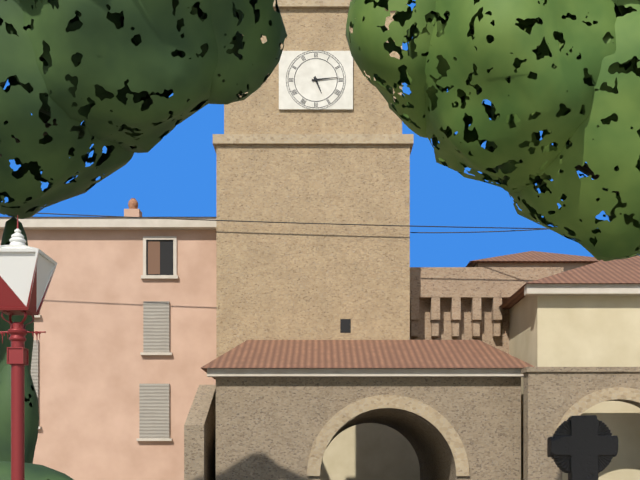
5:14
